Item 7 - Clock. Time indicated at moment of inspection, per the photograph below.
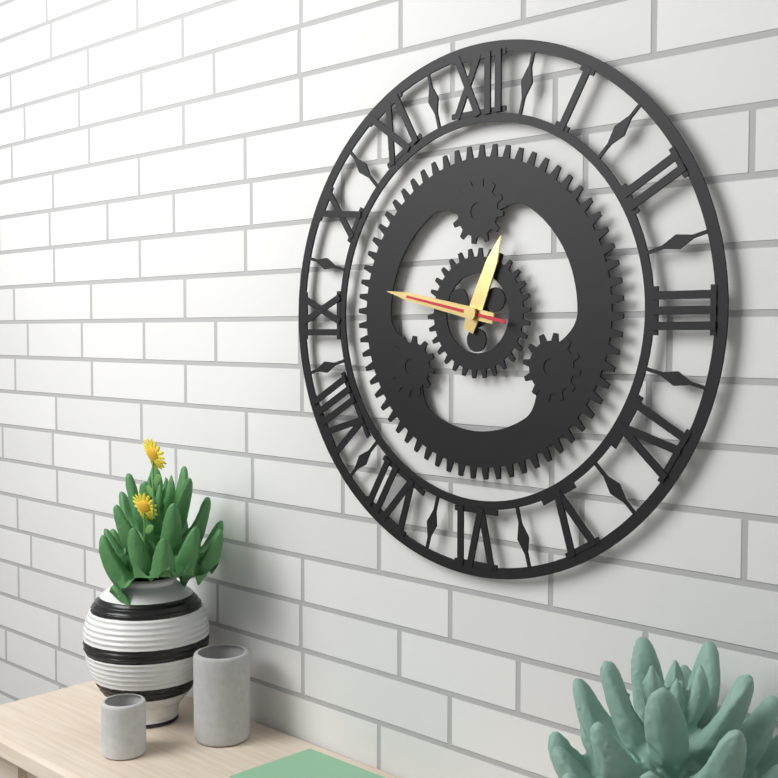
12:47:47
